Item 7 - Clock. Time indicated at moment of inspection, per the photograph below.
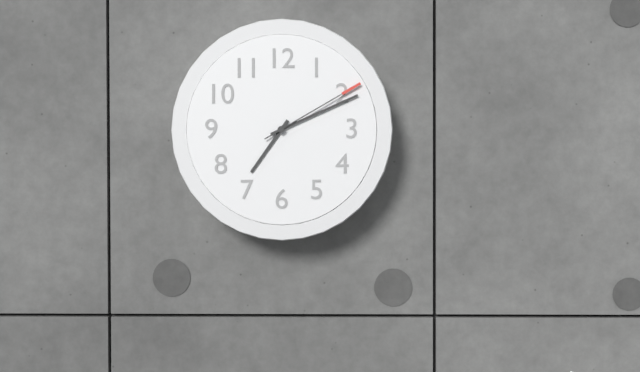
7:11:10
